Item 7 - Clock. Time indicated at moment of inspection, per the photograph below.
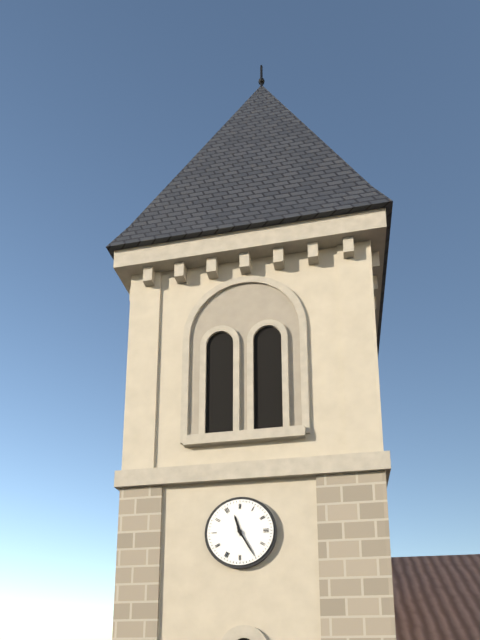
11:25
